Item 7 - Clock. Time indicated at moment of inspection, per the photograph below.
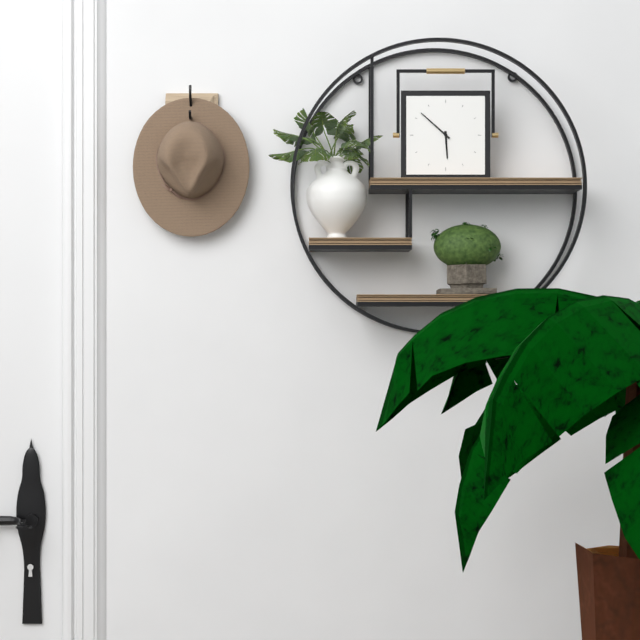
5:52
